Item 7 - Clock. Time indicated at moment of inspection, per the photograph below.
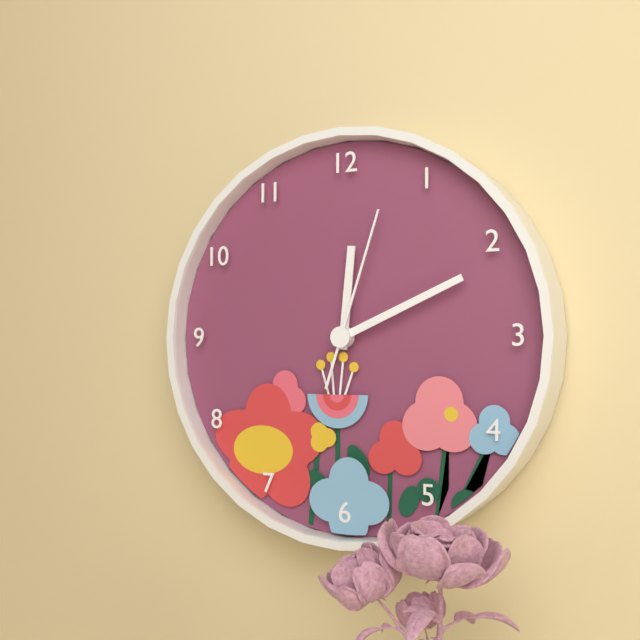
12:11:03
